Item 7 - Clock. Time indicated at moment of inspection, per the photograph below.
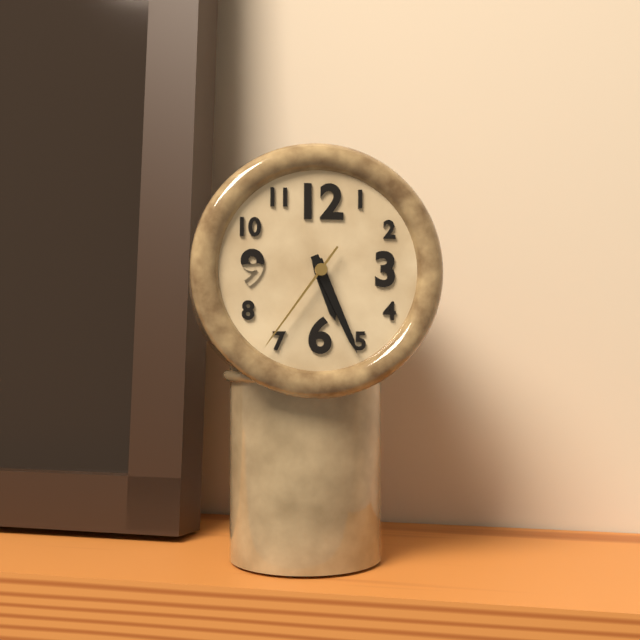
5:26:36
